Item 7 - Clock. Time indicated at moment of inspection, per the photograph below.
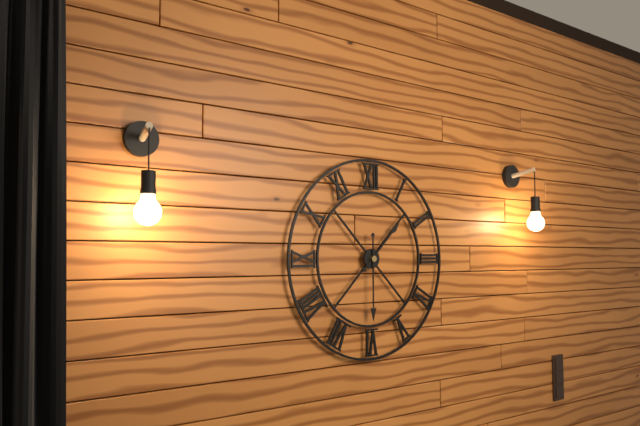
1:30
